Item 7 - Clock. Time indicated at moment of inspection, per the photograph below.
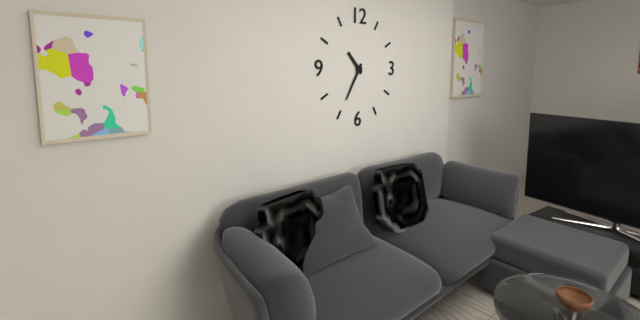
10:35
